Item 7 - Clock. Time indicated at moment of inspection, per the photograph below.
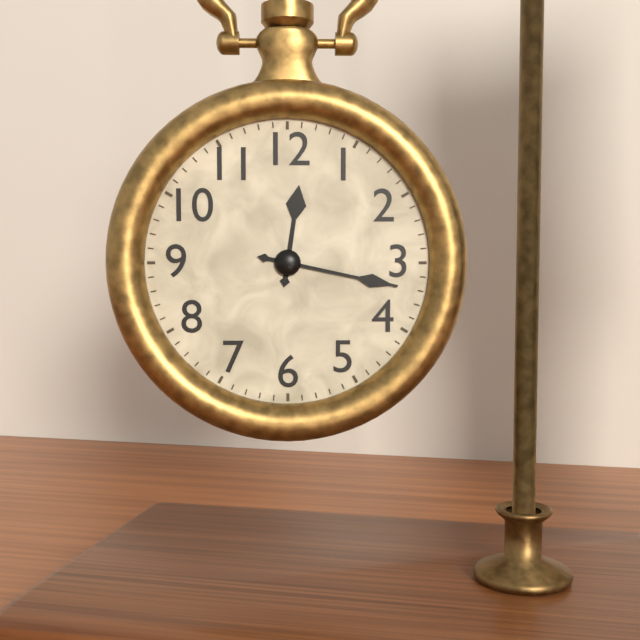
12:17
